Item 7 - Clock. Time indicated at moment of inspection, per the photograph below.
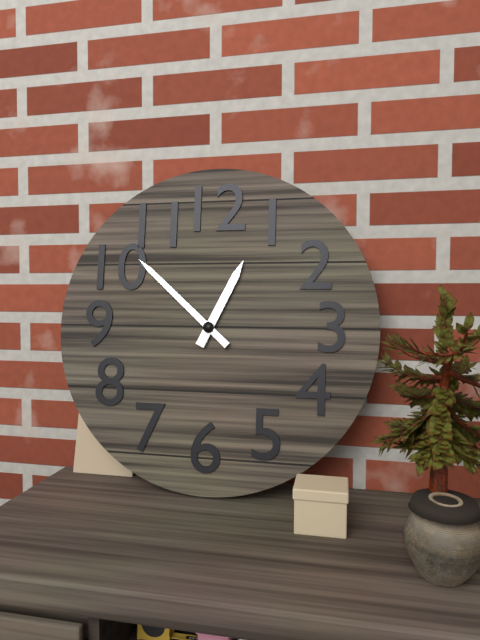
12:52
